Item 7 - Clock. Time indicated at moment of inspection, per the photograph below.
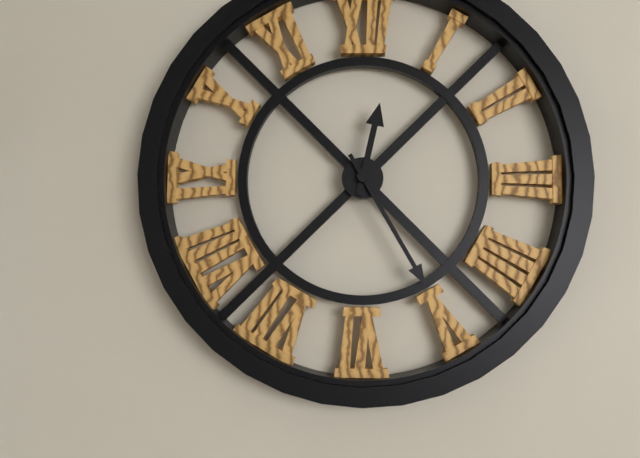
12:25
